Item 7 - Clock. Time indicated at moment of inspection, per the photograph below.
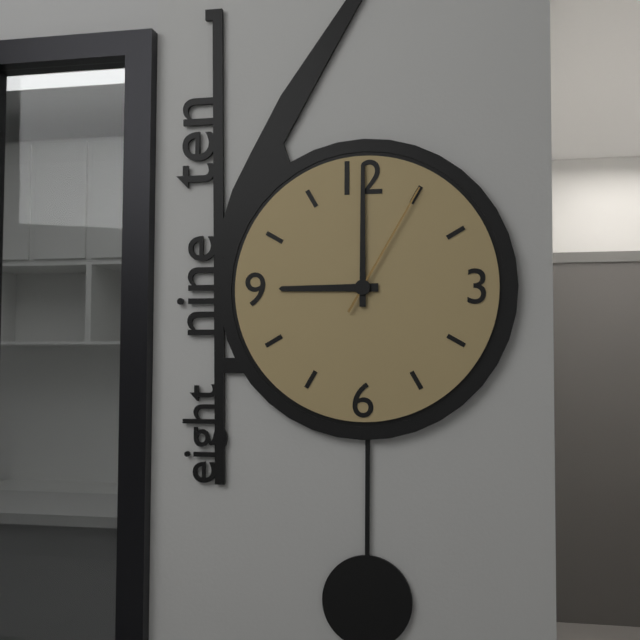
9:00:05
